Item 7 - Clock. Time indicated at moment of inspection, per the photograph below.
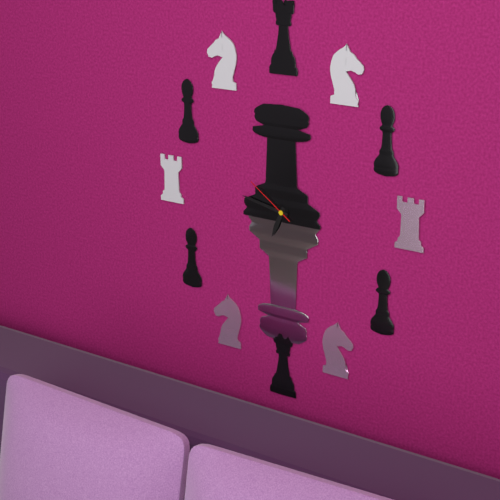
6:47:51
